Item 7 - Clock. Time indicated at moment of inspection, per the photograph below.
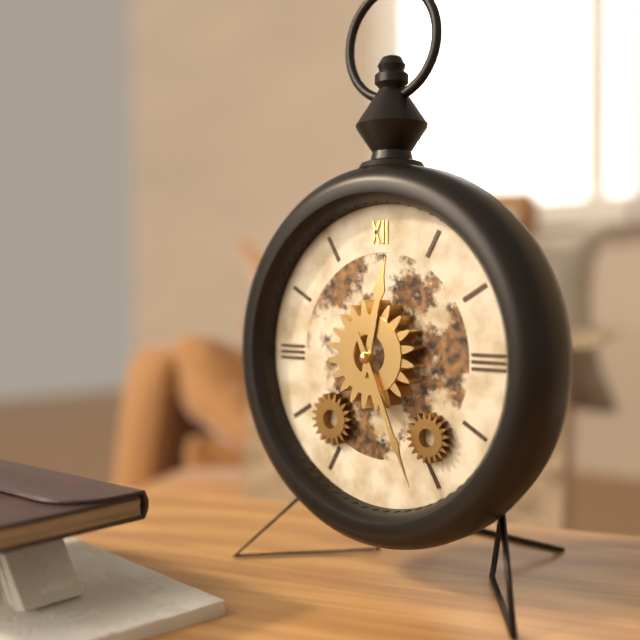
12:26
